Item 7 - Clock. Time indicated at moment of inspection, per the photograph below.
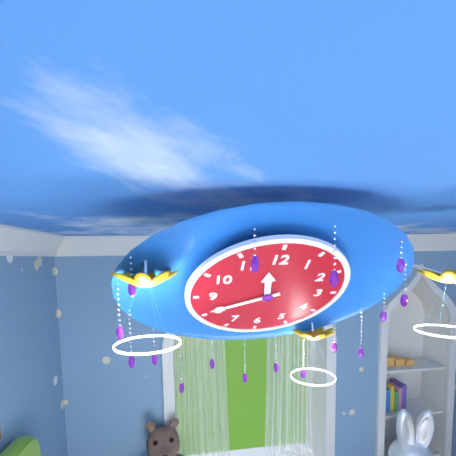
11:41
